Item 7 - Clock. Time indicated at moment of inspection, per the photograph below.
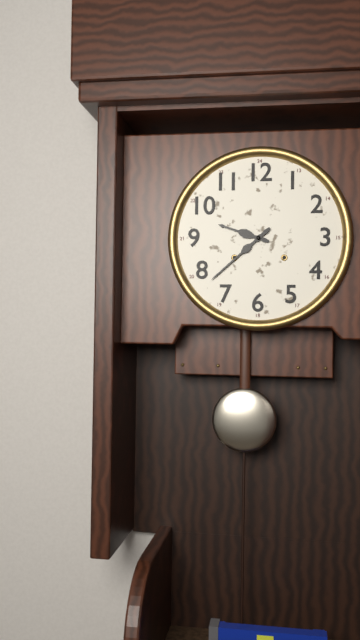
9:38
